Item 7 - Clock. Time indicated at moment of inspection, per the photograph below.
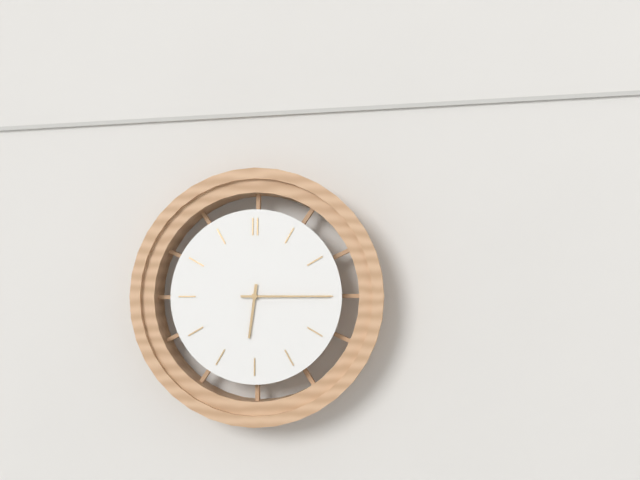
6:15
